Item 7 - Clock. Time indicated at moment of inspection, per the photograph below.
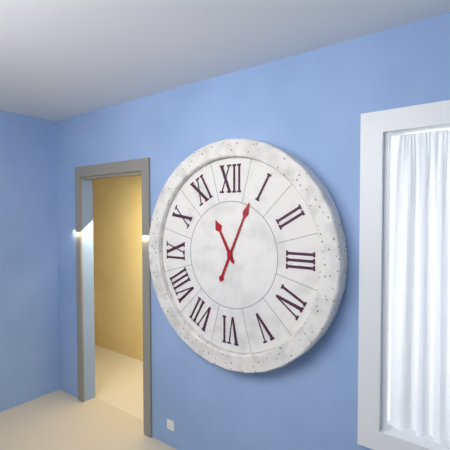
11:04
